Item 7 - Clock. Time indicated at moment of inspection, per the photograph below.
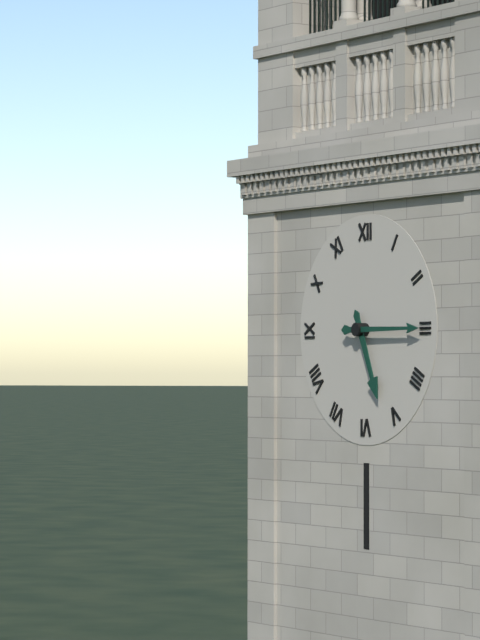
5:15
